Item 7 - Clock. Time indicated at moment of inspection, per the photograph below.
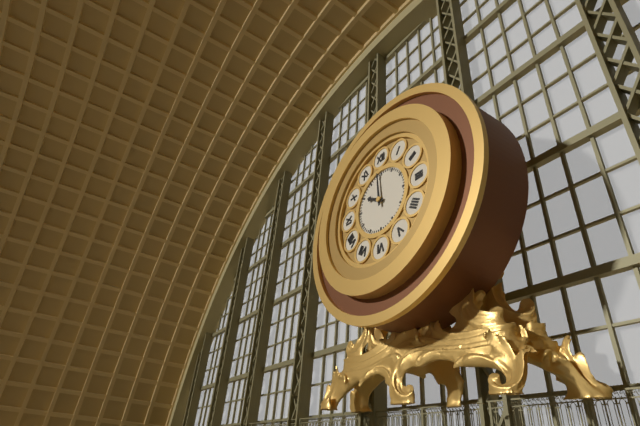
9:59
